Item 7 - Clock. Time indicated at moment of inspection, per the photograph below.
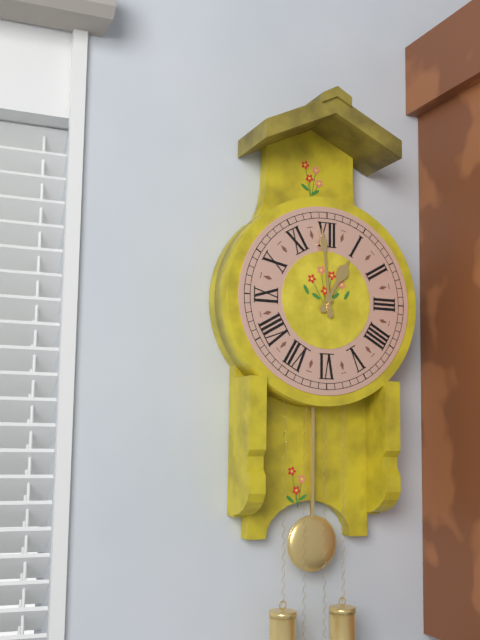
12:59
